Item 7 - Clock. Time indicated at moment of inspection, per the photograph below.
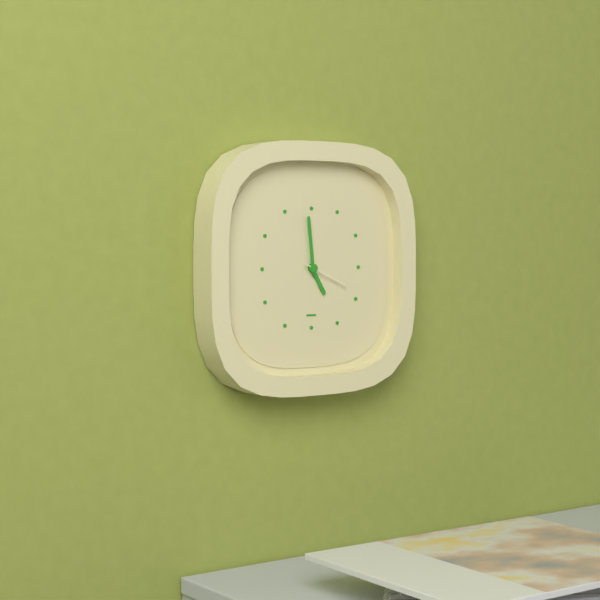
4:59
